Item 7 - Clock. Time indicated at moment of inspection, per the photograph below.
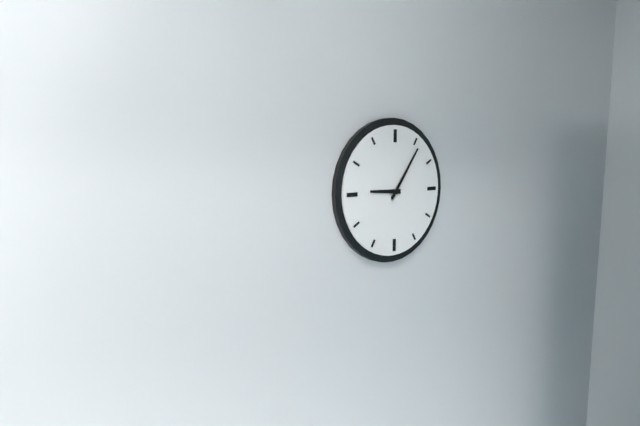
9:06
